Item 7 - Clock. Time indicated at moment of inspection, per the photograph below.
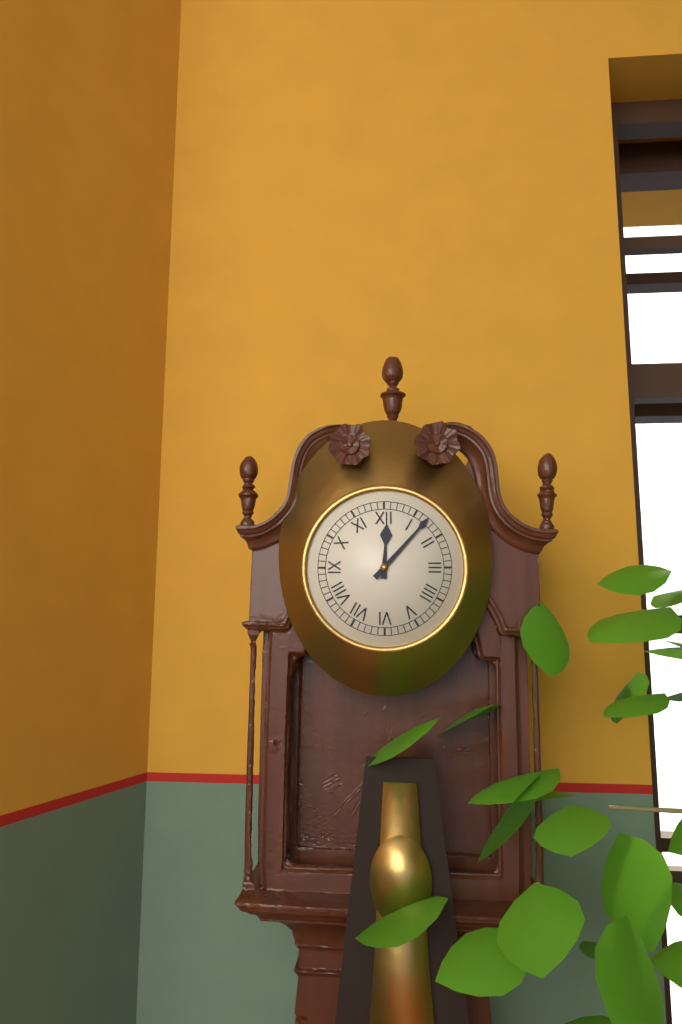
12:07
